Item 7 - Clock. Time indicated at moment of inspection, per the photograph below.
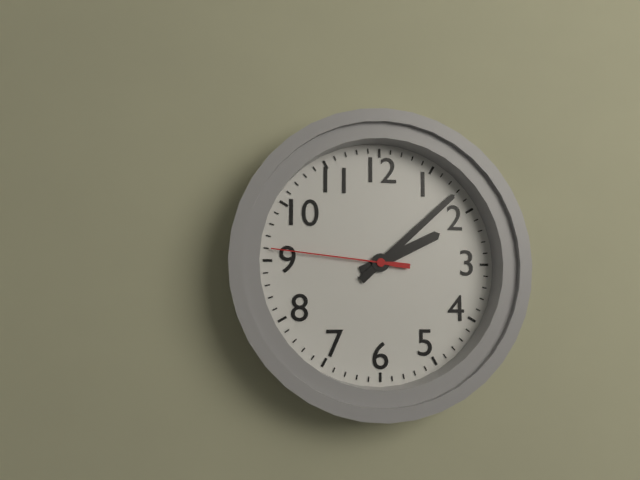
2:08:46
